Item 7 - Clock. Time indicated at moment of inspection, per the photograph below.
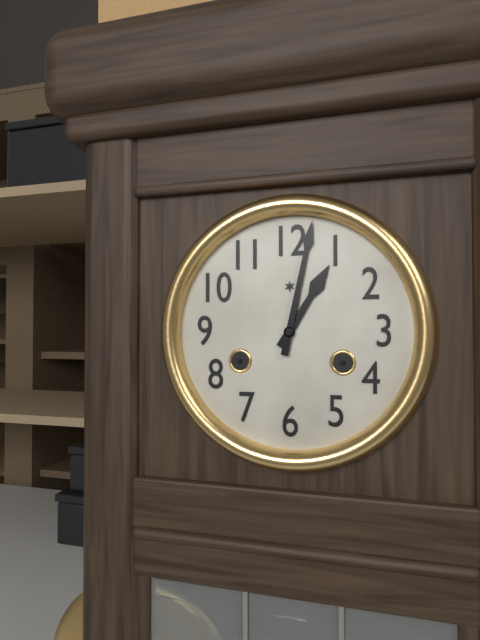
1:02
